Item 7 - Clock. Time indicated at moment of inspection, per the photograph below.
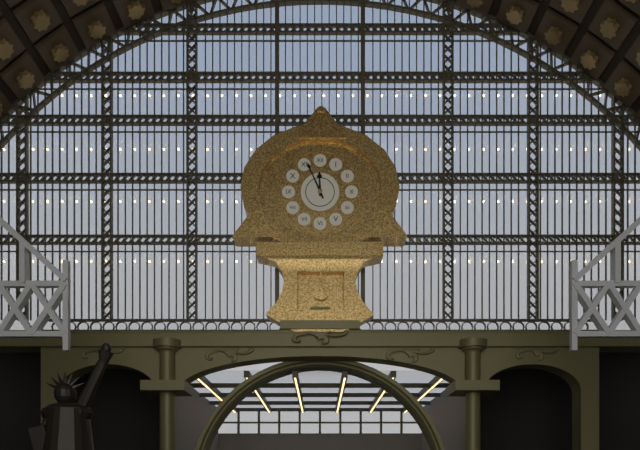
11:56
